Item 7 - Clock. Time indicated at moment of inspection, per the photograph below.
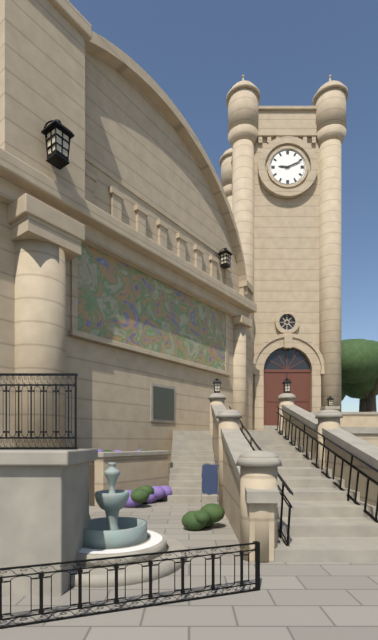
9:11
